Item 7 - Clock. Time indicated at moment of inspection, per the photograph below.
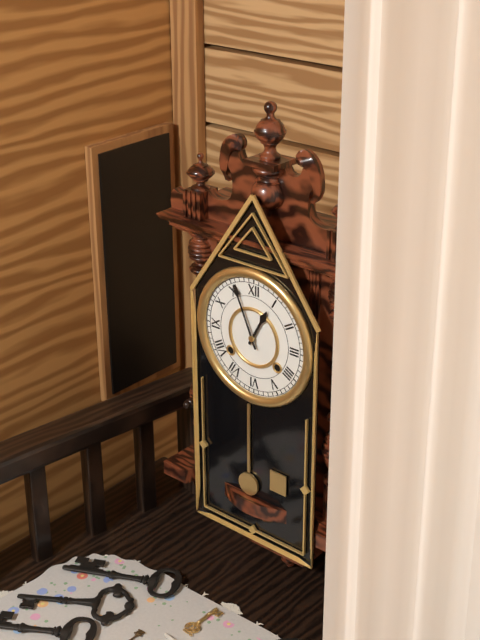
12:56
